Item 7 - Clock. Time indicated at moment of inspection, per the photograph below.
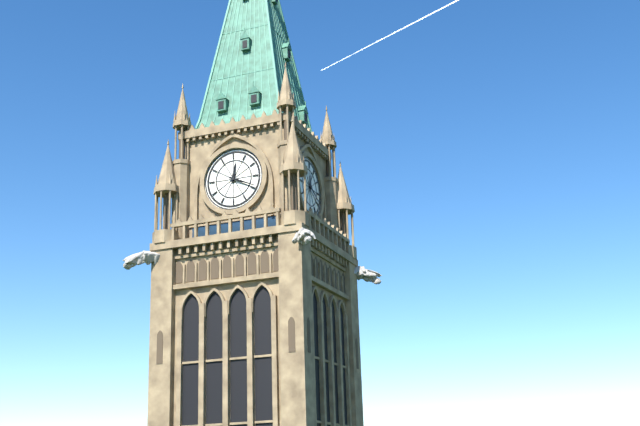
12:19
